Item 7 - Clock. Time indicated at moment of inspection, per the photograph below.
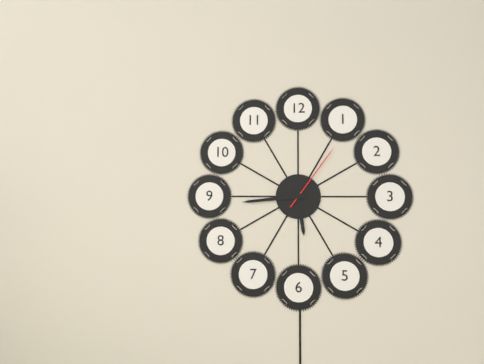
5:44:06
